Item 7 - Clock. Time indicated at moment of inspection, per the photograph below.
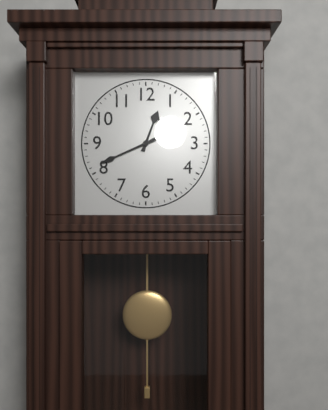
12:41
